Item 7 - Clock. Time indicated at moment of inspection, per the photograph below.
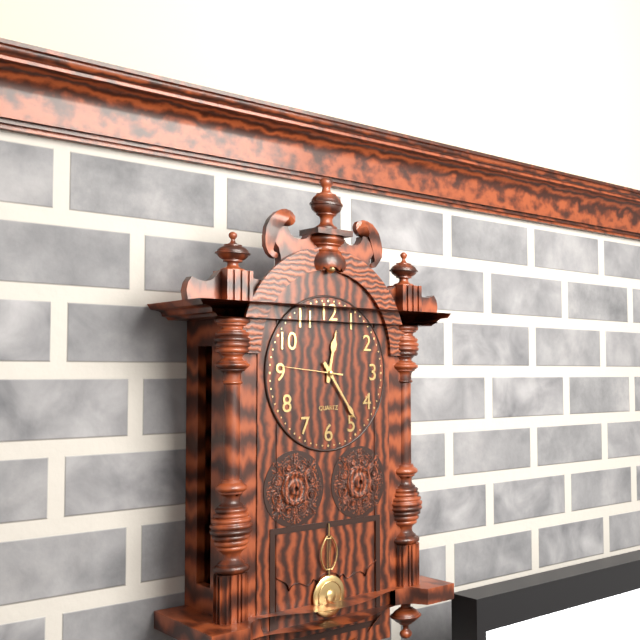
12:24:46
